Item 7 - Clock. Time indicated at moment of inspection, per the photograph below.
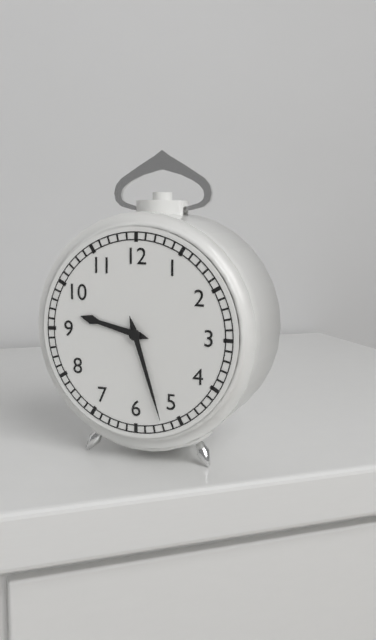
9:27
